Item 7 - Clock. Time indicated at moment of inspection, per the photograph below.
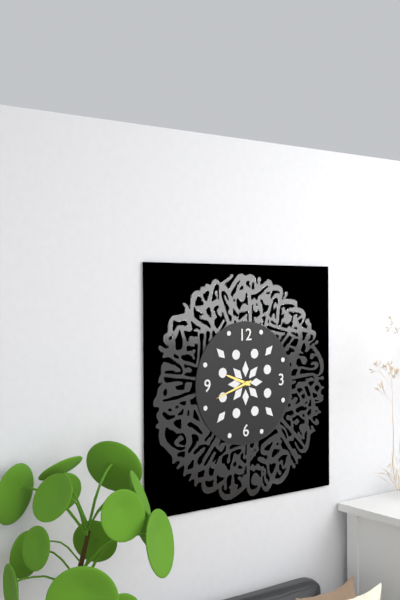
9:42
